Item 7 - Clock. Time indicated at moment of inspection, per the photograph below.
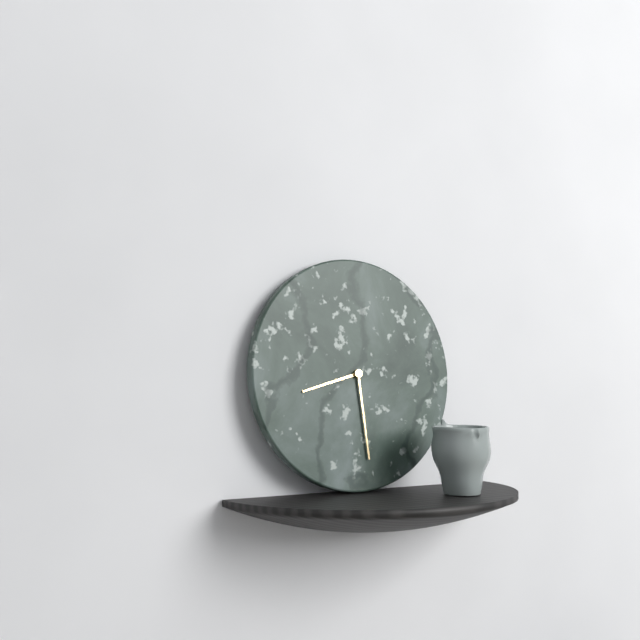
8:29
